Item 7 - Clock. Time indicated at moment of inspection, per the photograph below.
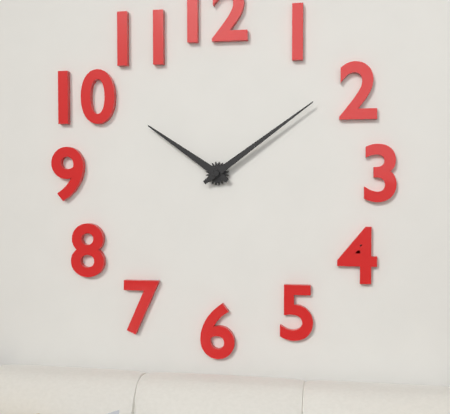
10:09
